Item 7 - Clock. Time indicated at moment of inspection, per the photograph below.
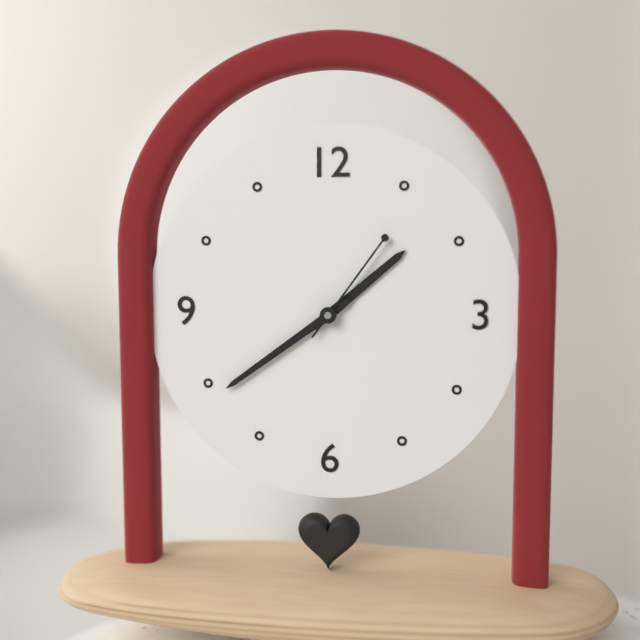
1:39:06
